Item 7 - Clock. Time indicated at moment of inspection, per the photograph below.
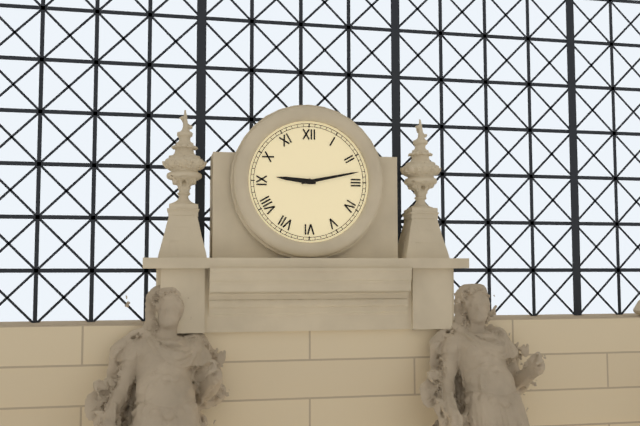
9:13
